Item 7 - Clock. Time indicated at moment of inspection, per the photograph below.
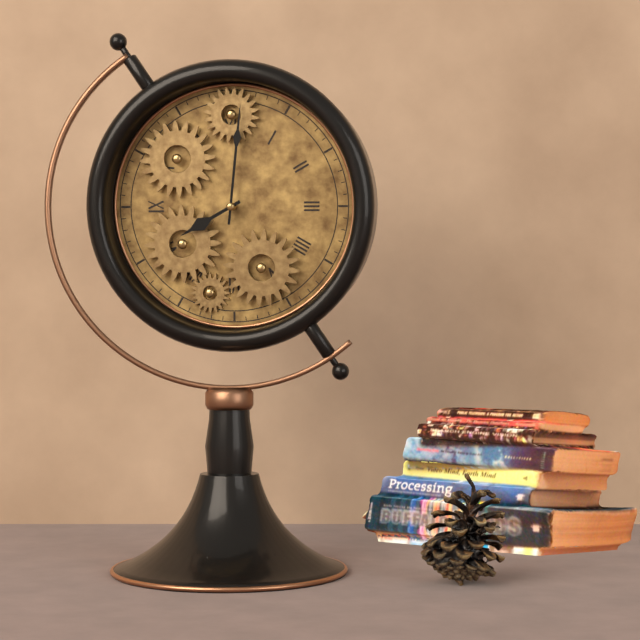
8:01
